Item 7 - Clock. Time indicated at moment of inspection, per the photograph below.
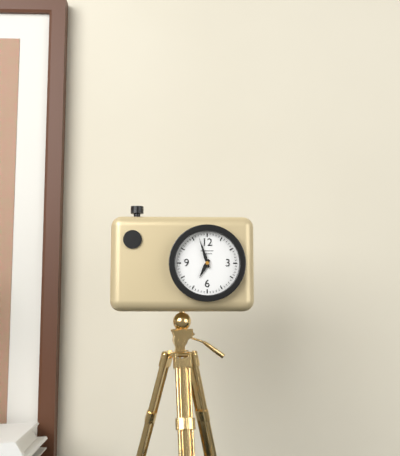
6:57
